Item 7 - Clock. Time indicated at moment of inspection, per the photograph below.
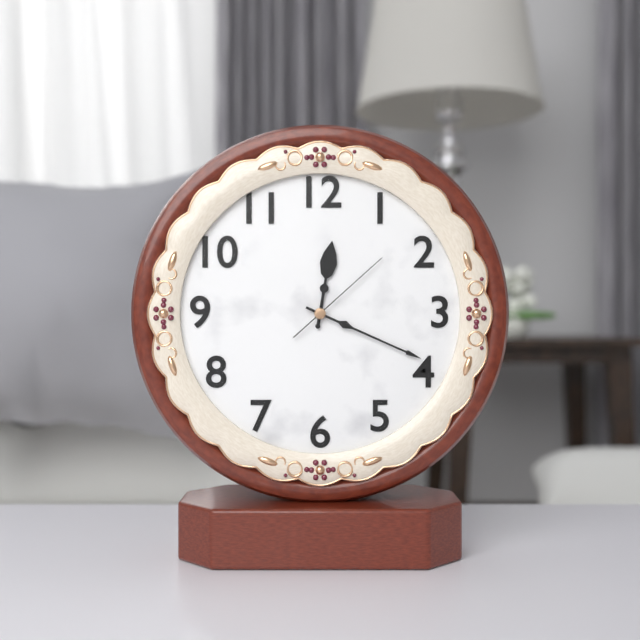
12:19:08
